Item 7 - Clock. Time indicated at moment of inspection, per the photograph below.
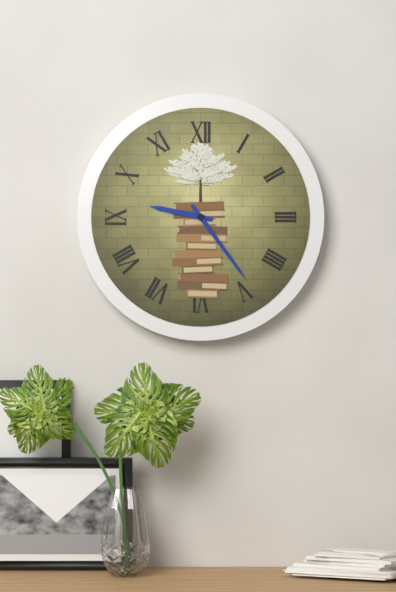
9:24
